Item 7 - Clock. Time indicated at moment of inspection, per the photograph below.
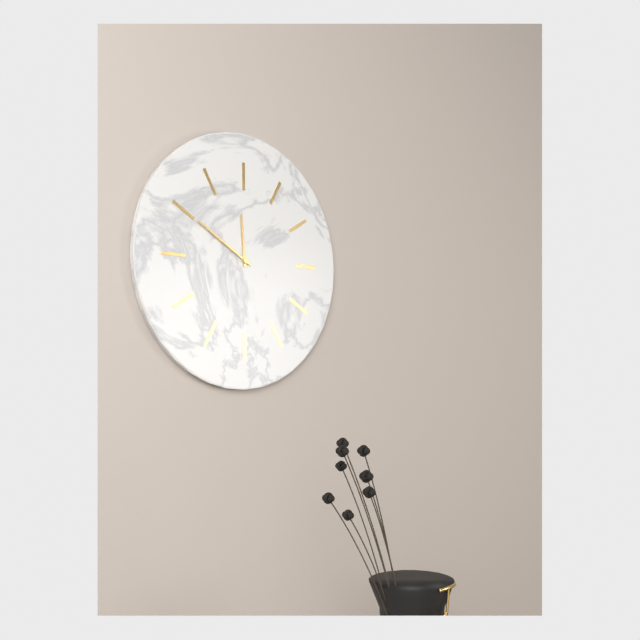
11:50
